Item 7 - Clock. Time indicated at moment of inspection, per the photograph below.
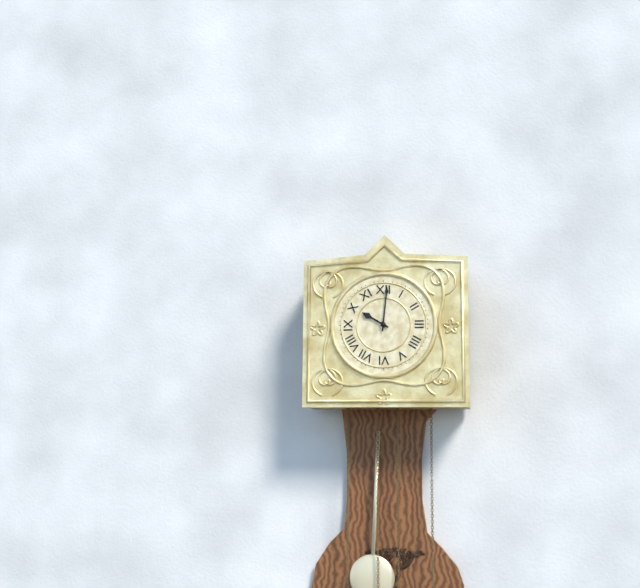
10:01
